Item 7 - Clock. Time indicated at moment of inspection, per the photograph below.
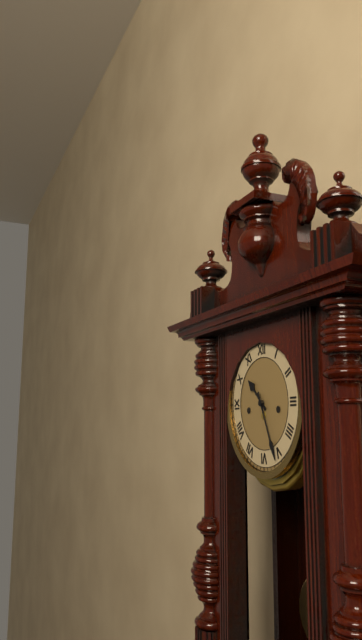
10:26
